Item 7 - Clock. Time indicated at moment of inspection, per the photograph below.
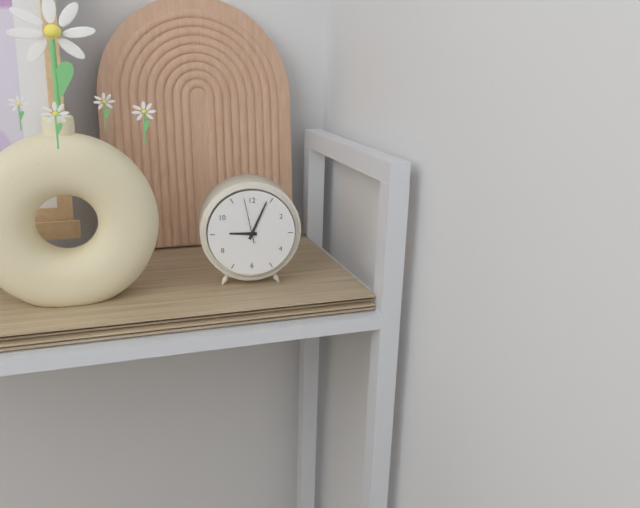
9:04
